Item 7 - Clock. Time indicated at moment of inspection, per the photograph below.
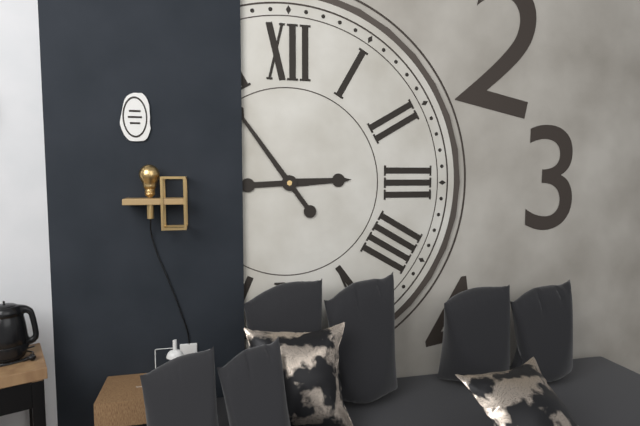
2:54
